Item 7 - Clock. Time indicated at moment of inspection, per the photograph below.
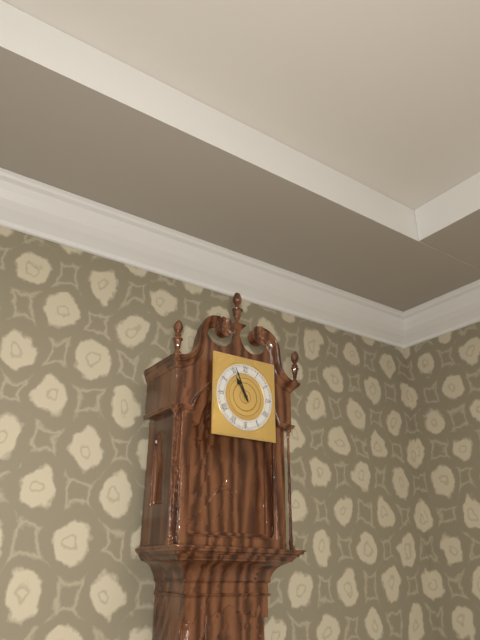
10:56
